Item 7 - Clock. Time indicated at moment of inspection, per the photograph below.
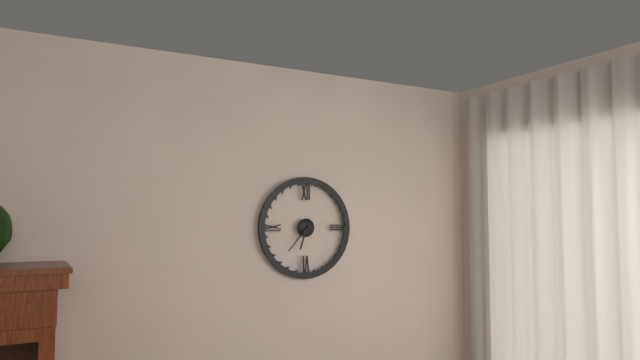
6:37
